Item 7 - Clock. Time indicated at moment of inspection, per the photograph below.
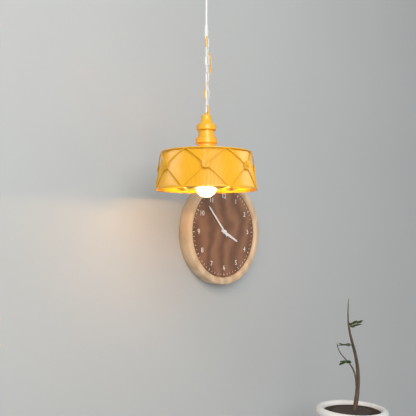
3:53
